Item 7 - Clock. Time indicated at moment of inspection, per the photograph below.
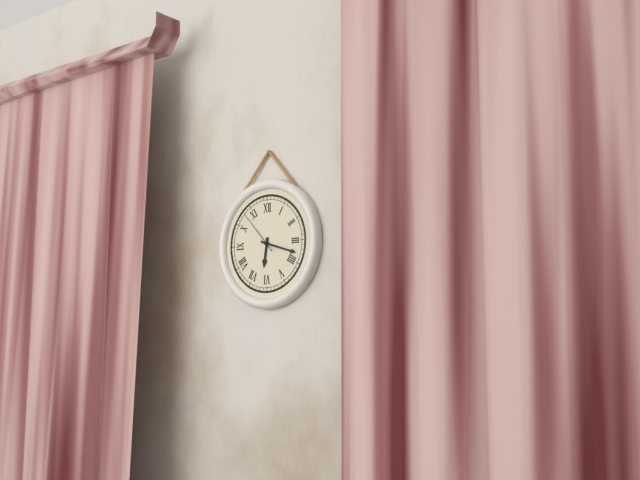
6:18
